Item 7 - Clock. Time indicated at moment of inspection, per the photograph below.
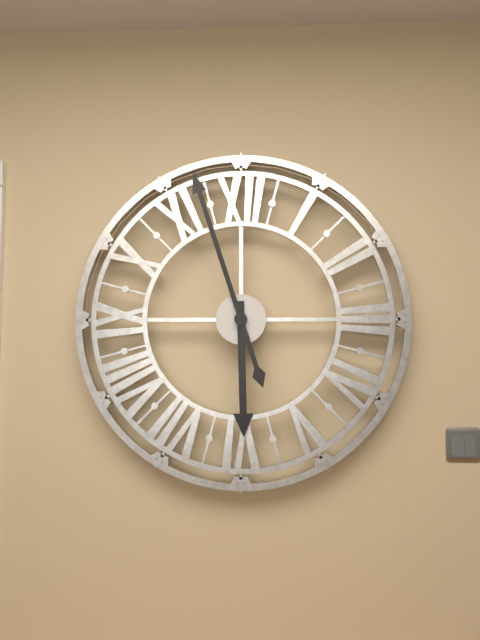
5:57
